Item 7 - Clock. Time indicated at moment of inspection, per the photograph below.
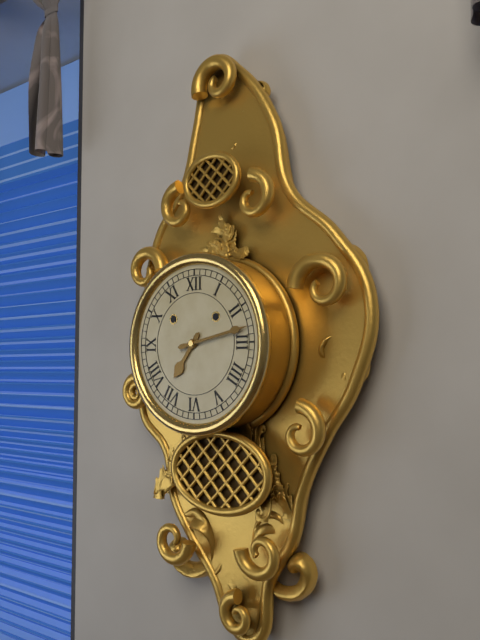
7:13
